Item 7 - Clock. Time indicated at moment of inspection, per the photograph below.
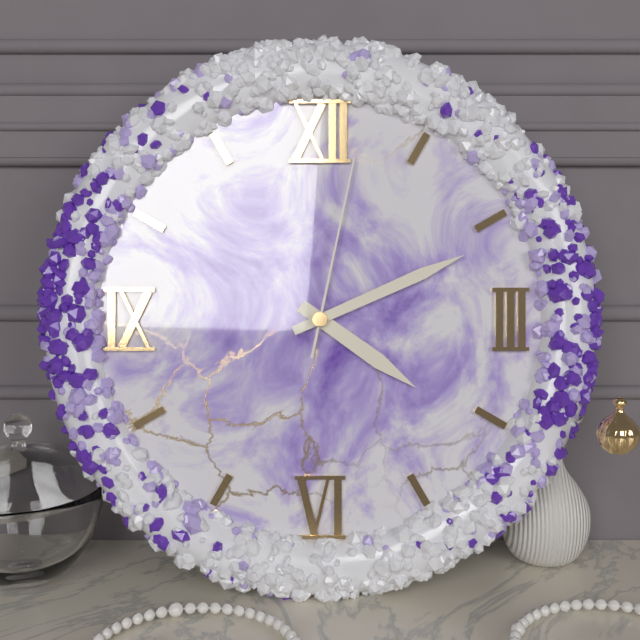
4:11:02
